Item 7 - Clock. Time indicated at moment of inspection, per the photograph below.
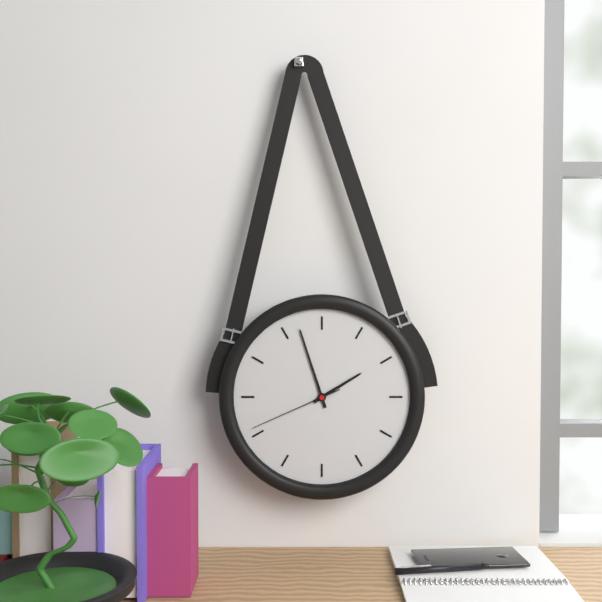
1:57:41
